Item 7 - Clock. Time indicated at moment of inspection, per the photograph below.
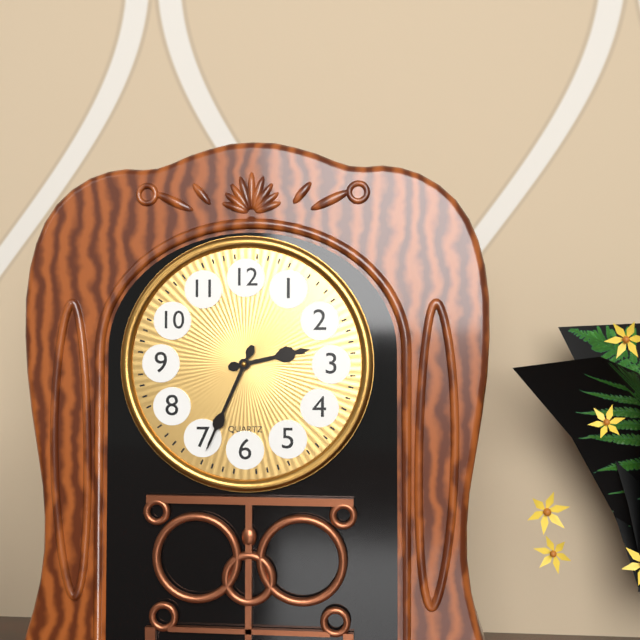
2:34
